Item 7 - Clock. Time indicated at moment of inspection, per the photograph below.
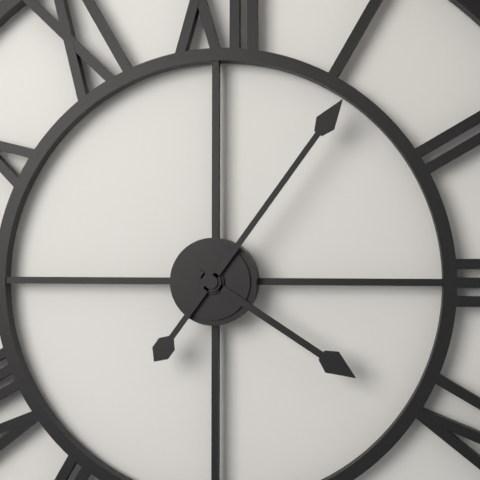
4:06
